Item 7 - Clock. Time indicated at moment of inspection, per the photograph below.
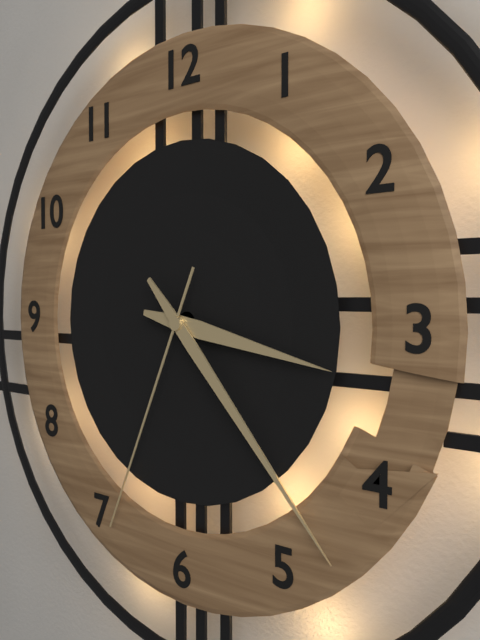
3:23:34
